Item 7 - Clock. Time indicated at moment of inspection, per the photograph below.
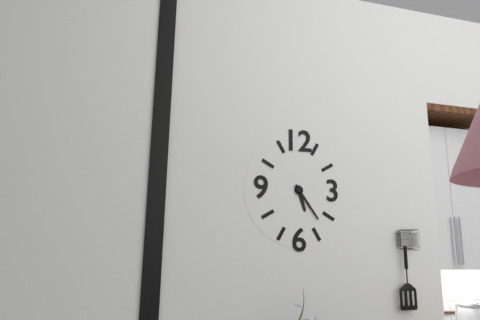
5:24
